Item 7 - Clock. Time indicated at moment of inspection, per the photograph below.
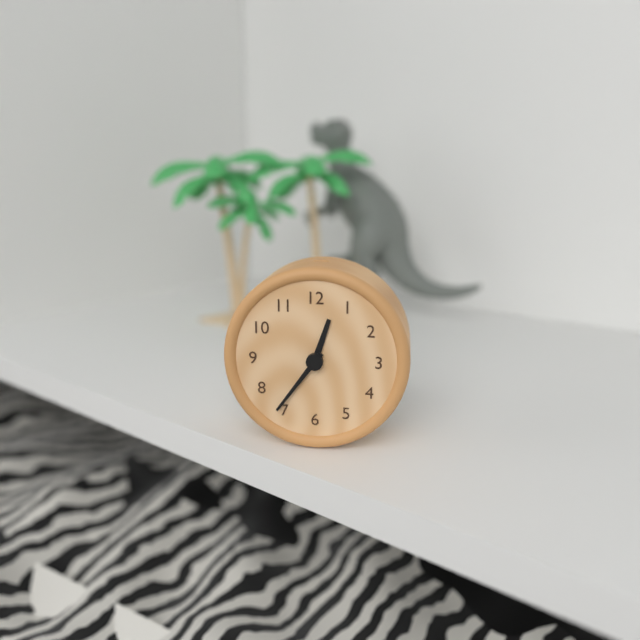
12:36
